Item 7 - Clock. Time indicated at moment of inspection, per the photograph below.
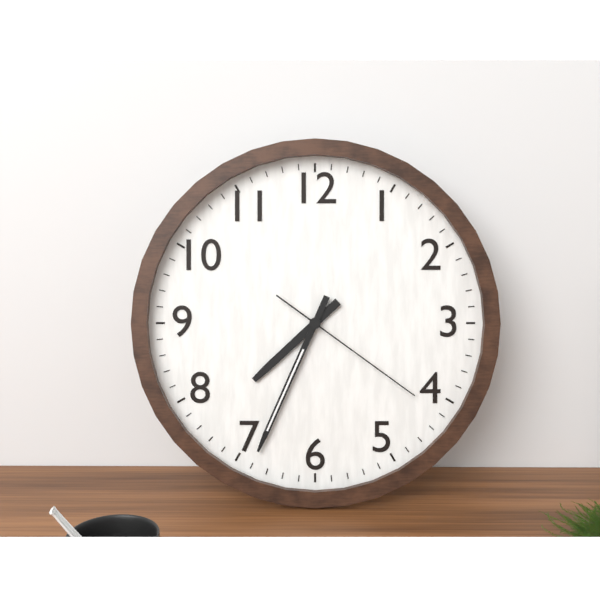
7:34:21
